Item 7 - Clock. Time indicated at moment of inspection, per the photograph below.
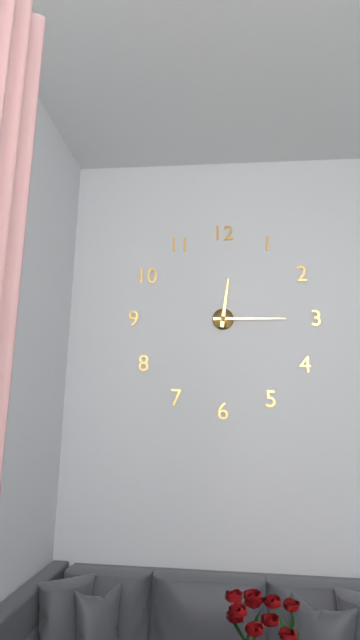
12:15
